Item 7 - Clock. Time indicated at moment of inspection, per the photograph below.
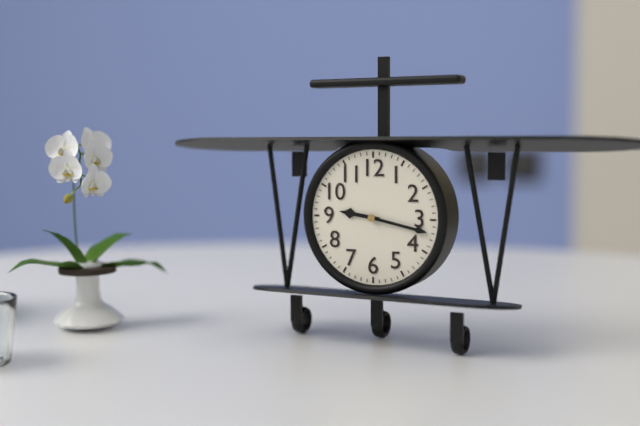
9:17
